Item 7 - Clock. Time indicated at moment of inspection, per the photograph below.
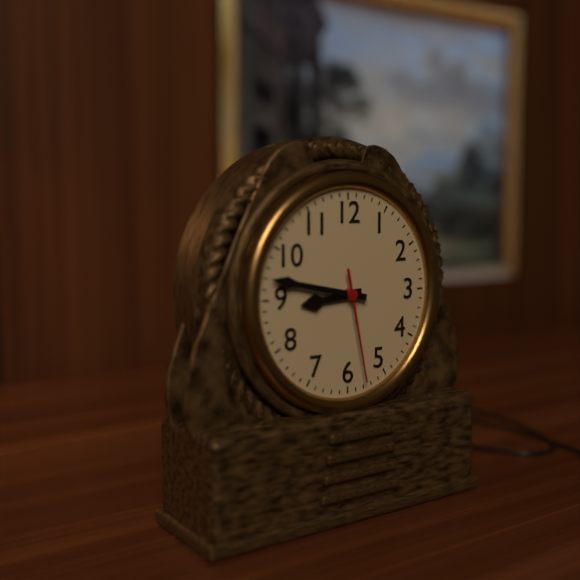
8:47:28
